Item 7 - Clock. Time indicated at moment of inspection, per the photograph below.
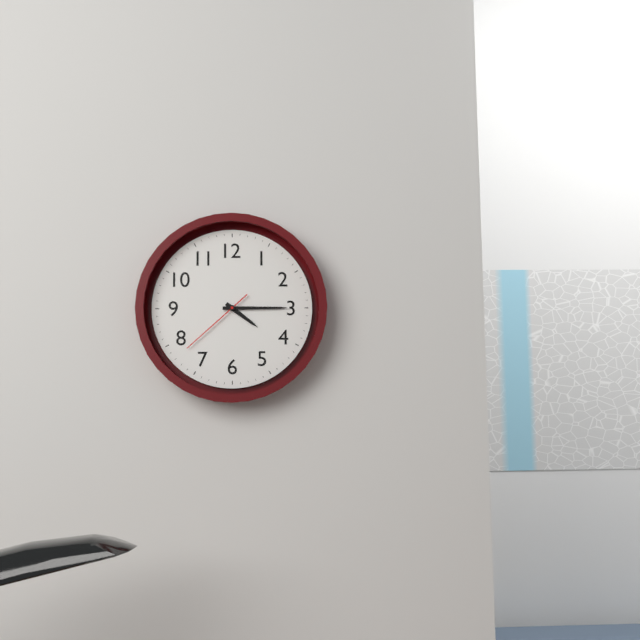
4:15:38
